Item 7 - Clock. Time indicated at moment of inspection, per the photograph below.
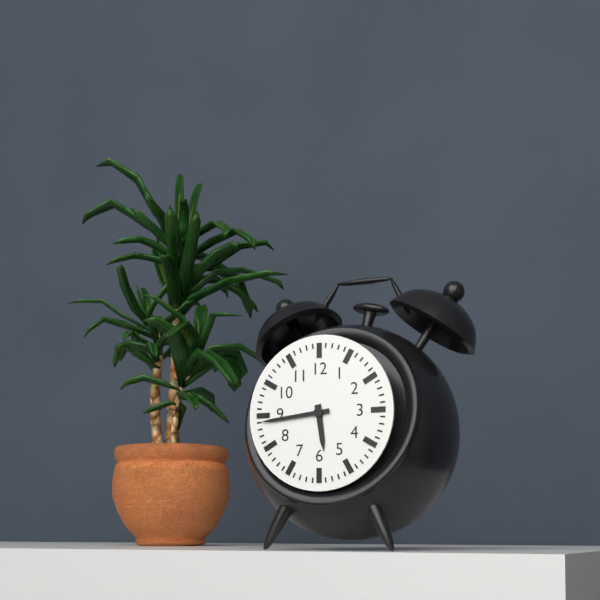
5:44
